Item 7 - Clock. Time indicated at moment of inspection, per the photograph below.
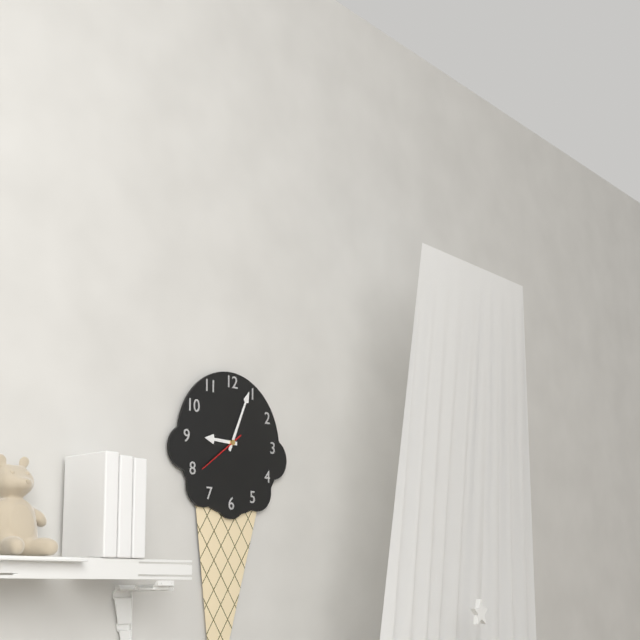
9:04:39
